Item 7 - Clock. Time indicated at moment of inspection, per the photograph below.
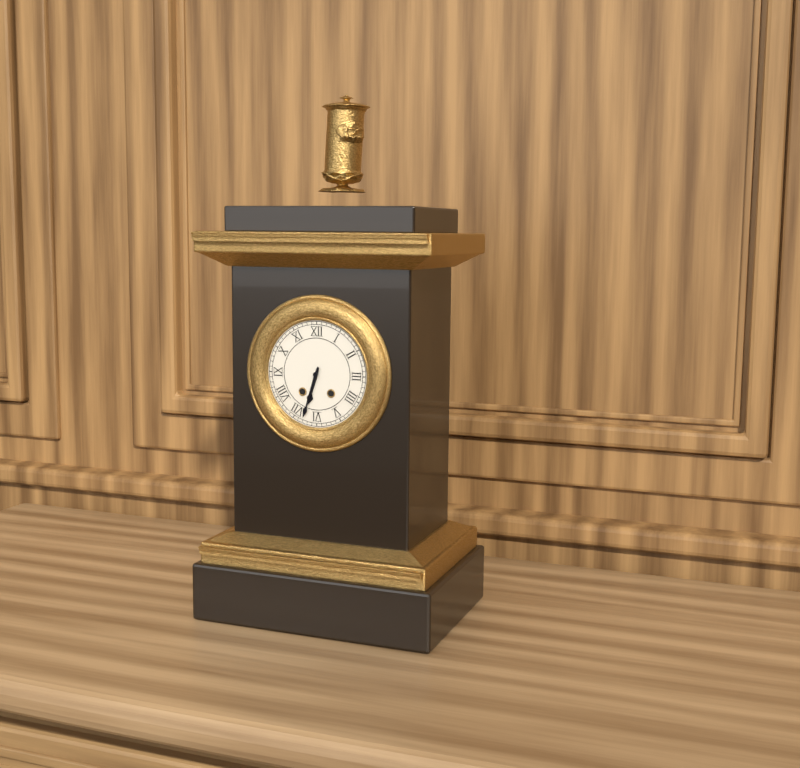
6:33
